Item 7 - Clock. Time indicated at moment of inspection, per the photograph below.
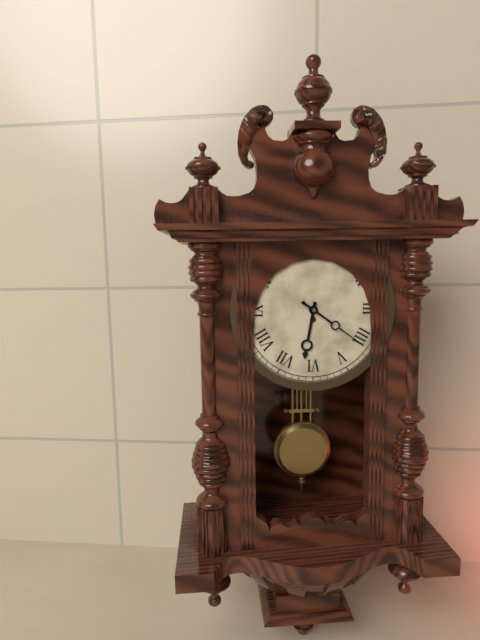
6:21
